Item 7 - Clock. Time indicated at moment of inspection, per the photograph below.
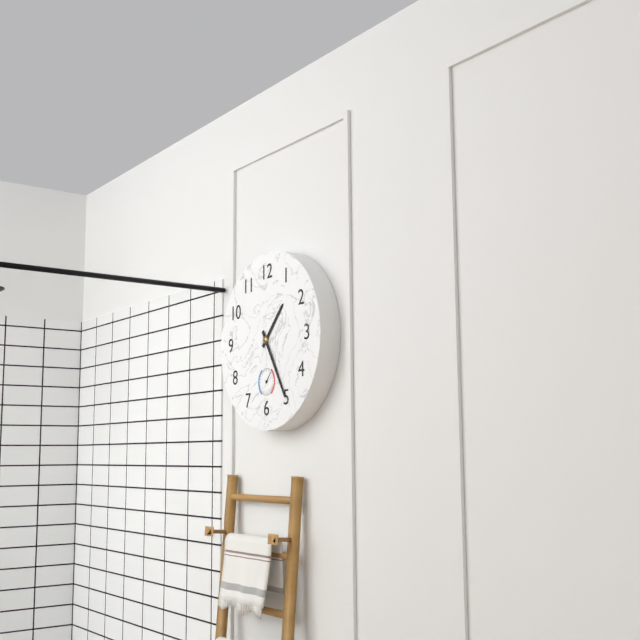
1:25
